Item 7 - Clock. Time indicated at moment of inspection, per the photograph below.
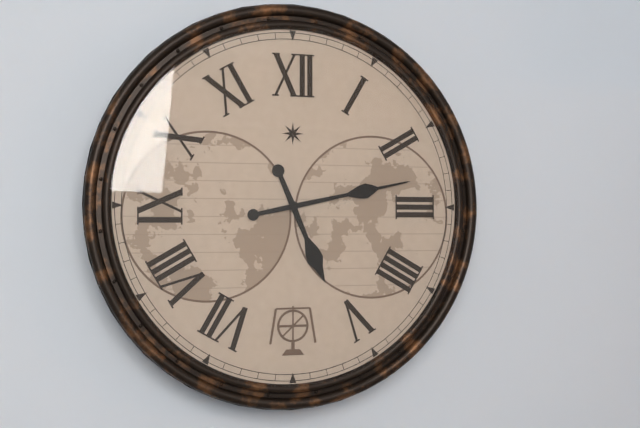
5:13
